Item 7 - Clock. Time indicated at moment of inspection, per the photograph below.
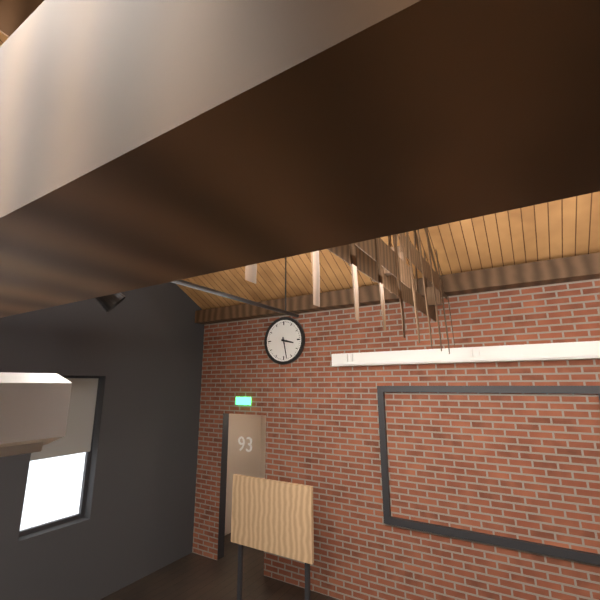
3:28
